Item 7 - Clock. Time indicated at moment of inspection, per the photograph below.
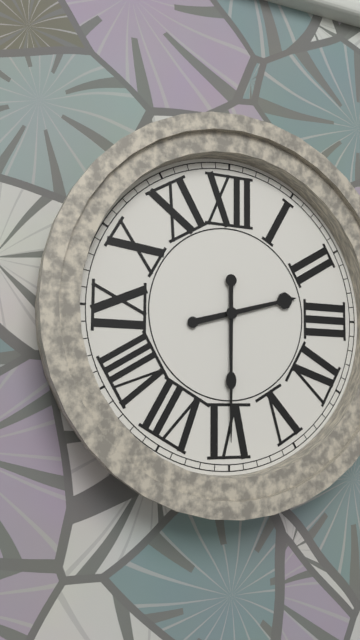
2:30
